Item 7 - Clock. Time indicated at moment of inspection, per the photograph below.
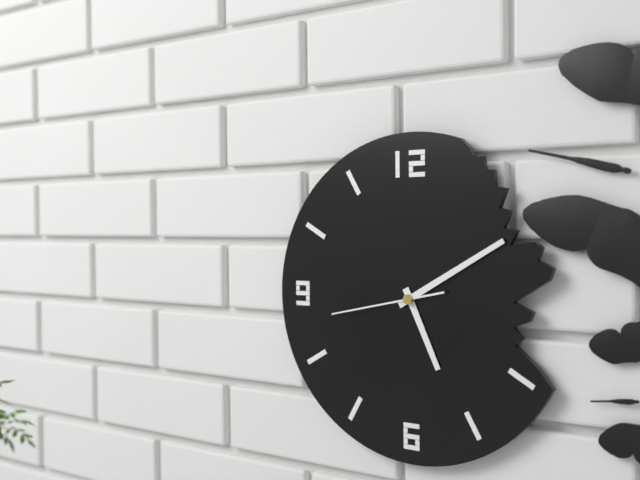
5:10:43
